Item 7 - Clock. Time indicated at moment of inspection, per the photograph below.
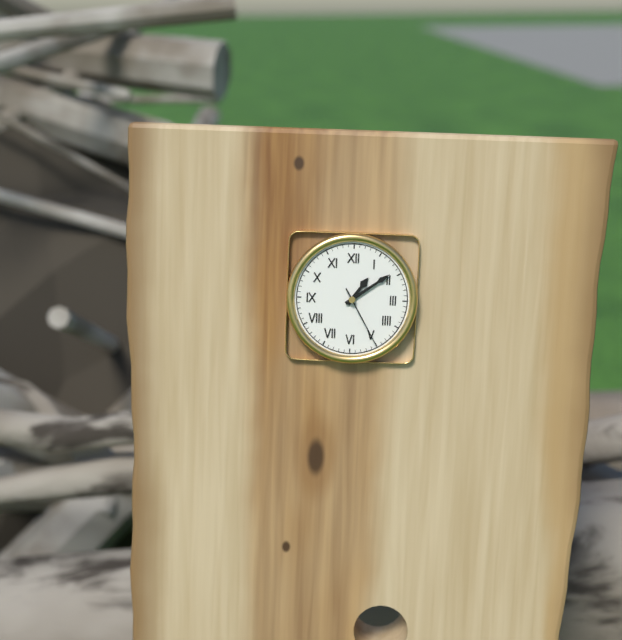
1:09:25
